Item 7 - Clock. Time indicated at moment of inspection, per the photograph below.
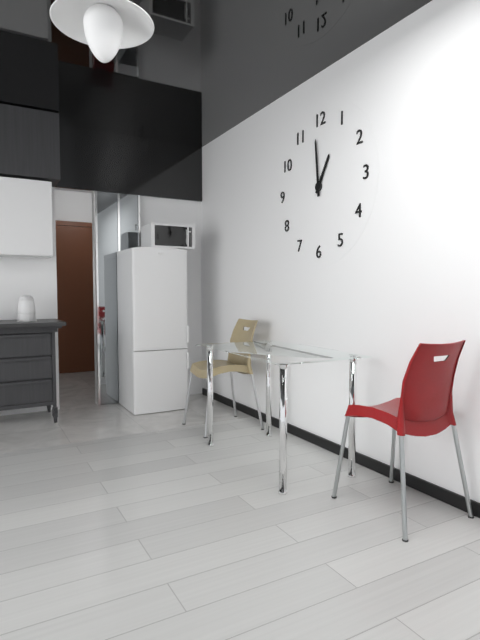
12:59
